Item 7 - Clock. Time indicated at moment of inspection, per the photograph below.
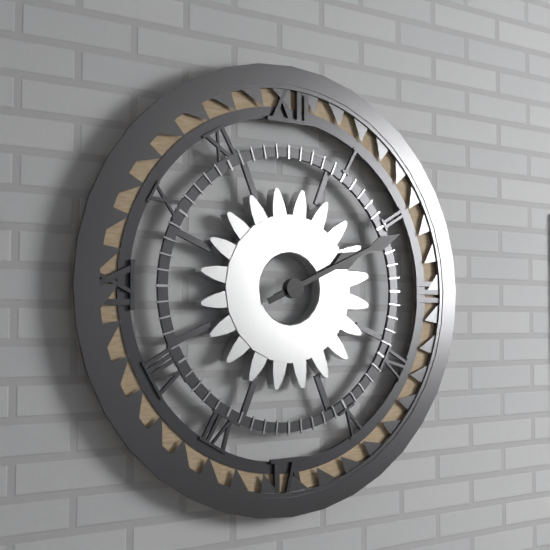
2:11
